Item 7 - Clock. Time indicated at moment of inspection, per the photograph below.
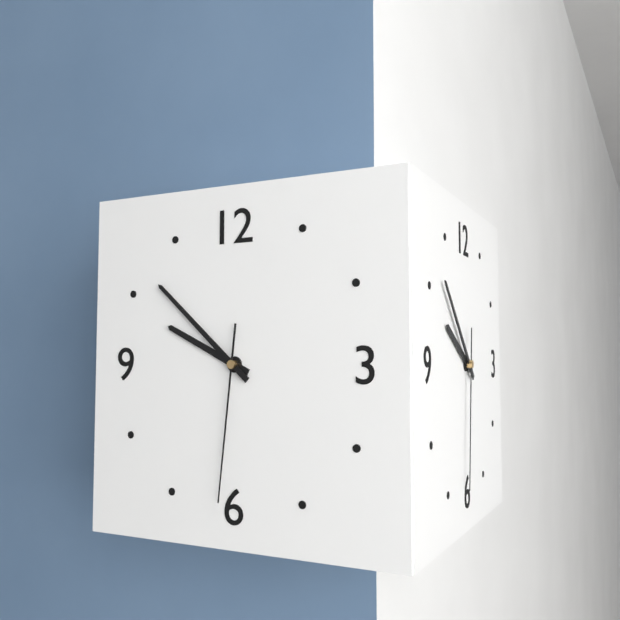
9:52:31
